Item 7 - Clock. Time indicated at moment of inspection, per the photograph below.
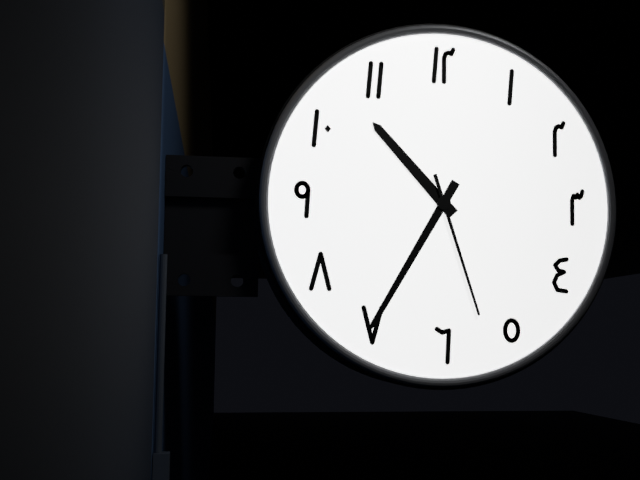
10:35:27
